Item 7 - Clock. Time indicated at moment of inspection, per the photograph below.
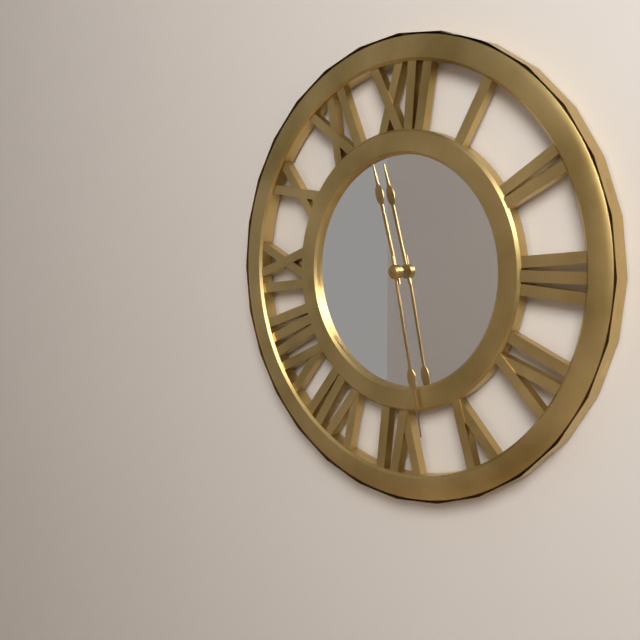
11:28
